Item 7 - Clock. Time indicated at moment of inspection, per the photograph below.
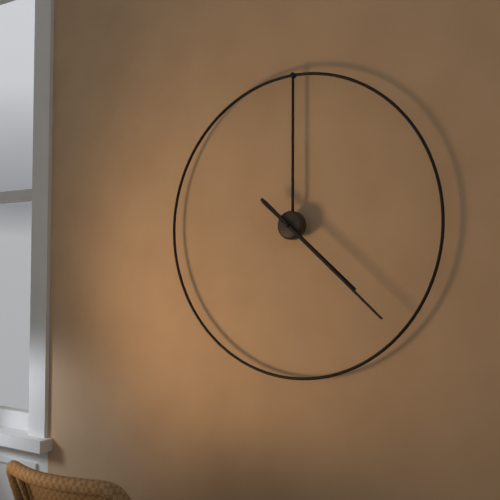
4:22
